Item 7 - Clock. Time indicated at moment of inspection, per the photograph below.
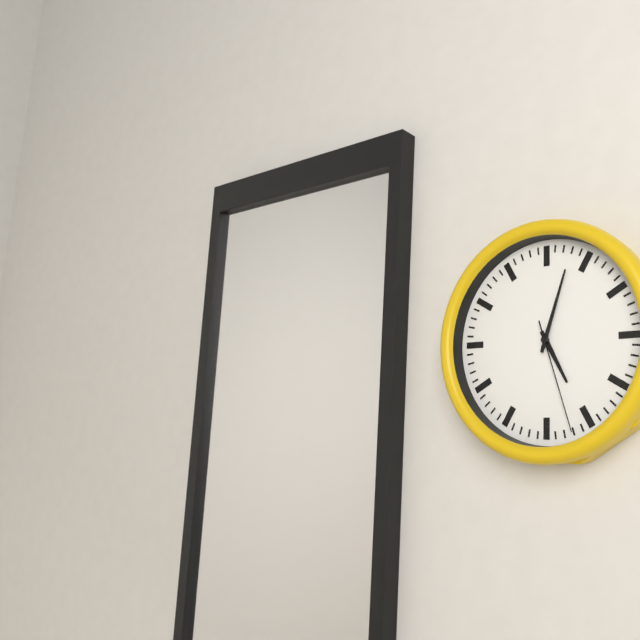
5:03:27
